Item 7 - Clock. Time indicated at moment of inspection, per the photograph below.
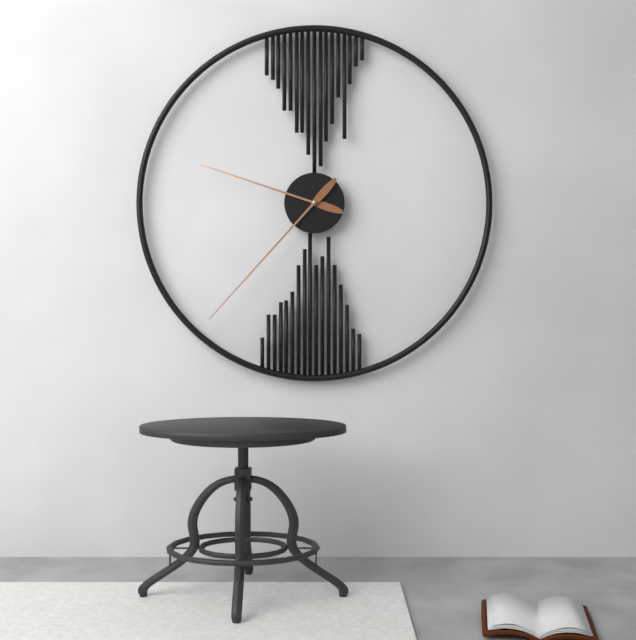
9:37
